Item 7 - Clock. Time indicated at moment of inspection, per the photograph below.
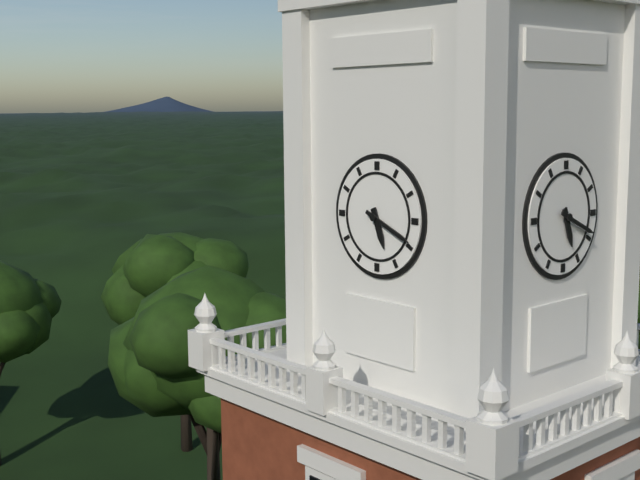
5:19
